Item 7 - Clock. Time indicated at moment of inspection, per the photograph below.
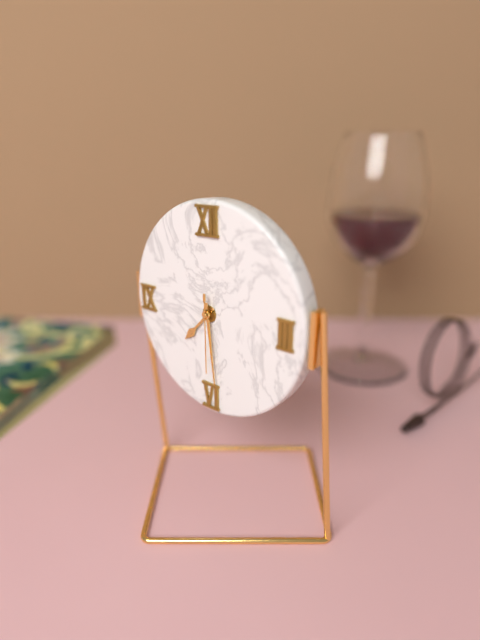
7:29:30
